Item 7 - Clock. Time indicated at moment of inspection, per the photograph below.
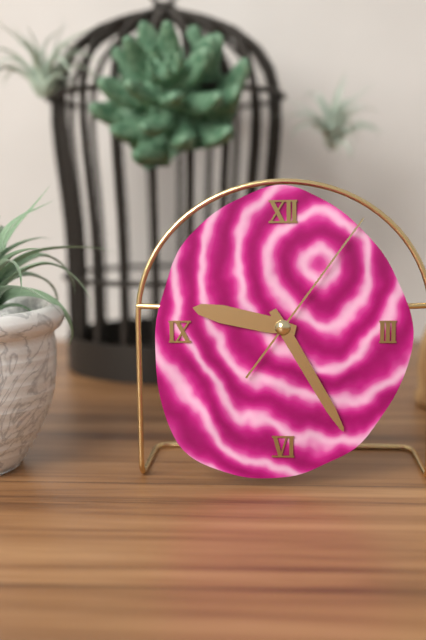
9:25:06
